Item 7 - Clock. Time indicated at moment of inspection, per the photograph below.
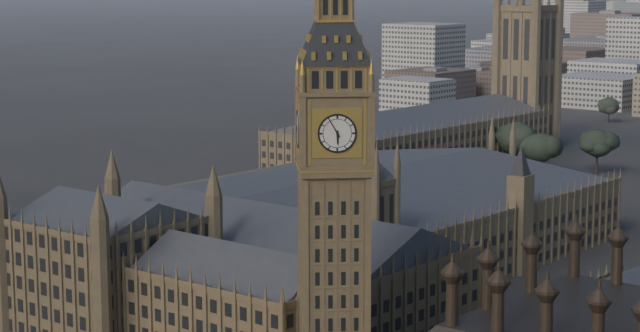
5:55
